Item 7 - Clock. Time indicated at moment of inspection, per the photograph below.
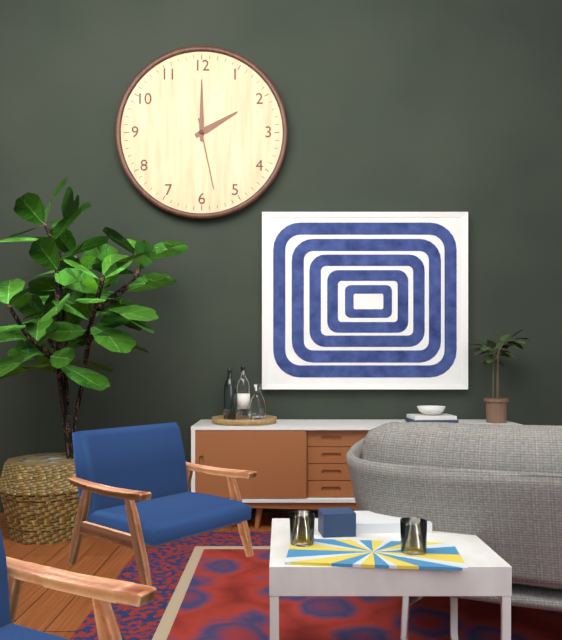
2:00:28
